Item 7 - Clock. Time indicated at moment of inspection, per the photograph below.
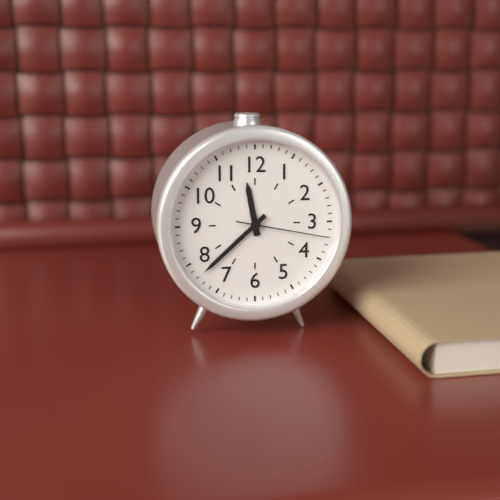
11:38:17
